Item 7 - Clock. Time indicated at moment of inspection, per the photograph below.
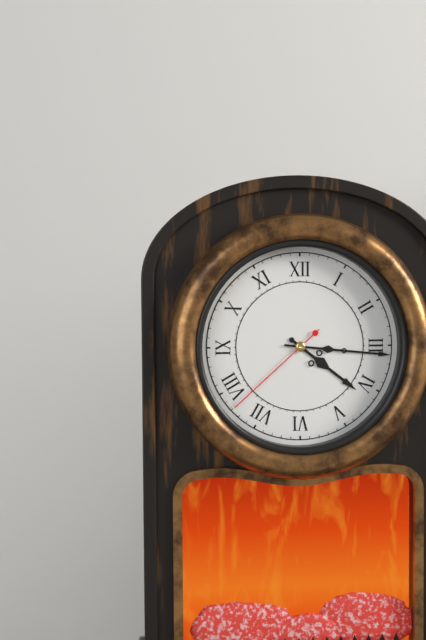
4:16:38
